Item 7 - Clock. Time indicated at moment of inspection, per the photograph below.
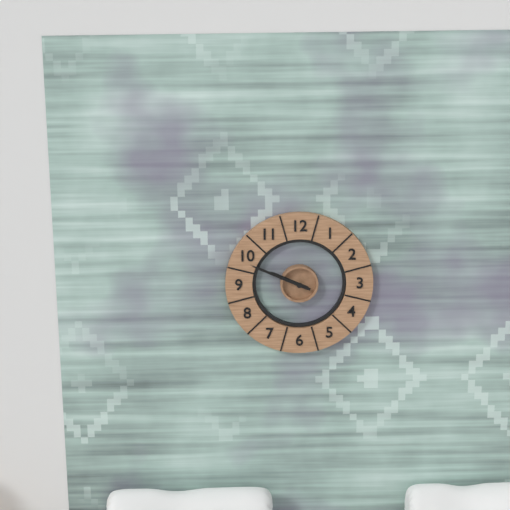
9:49
